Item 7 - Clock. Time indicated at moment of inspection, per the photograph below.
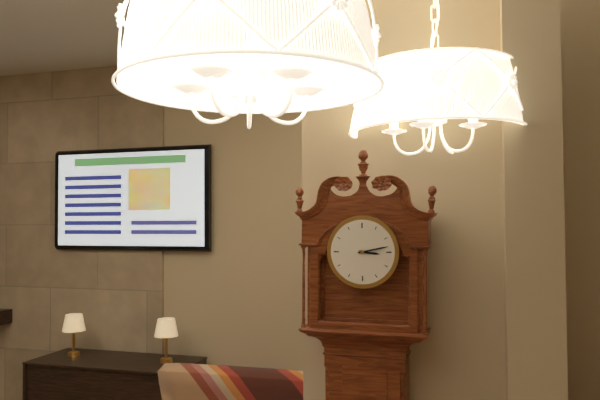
3:13
